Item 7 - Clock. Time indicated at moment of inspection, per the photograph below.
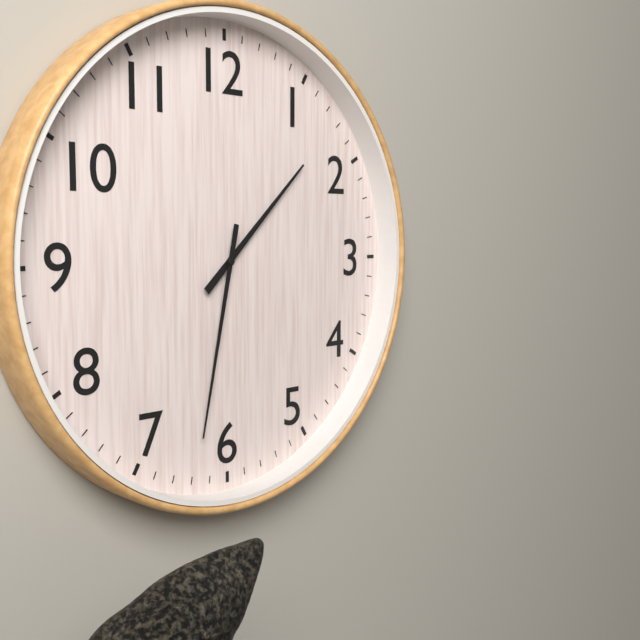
1:32
